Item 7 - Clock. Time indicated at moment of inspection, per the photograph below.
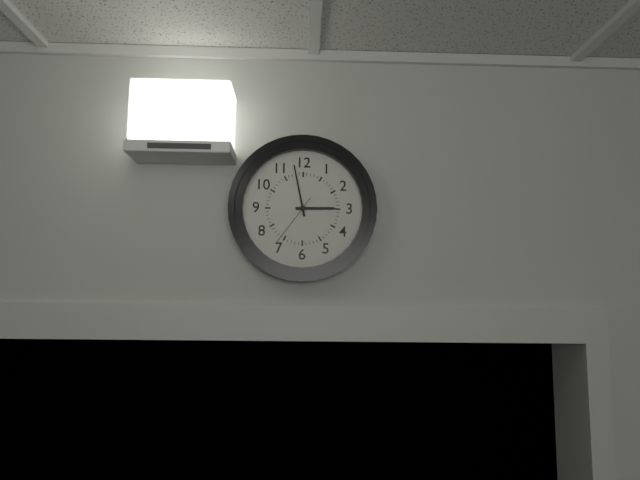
2:58:36
